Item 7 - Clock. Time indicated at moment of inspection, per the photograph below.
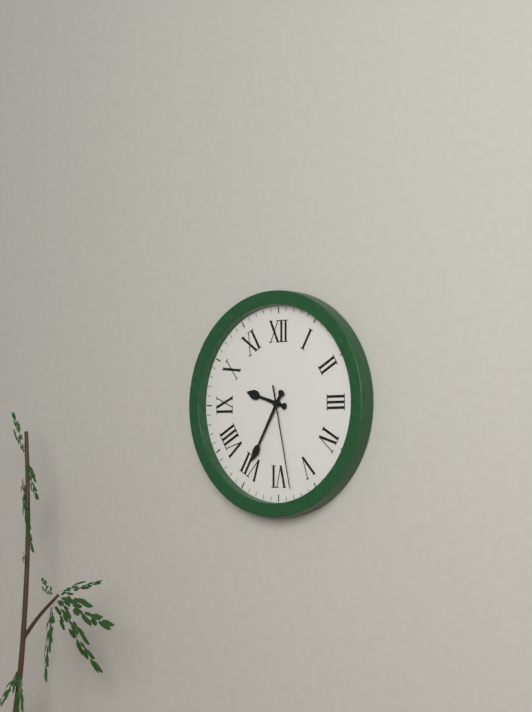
9:35:28
